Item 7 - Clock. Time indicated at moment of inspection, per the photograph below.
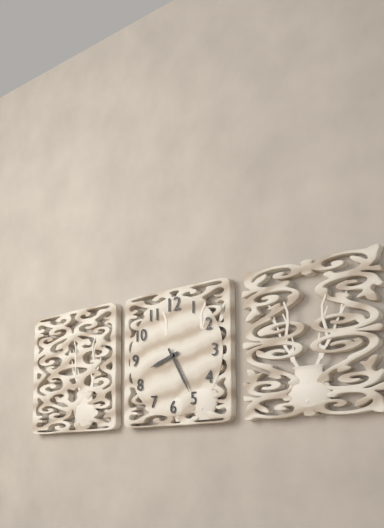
8:25
